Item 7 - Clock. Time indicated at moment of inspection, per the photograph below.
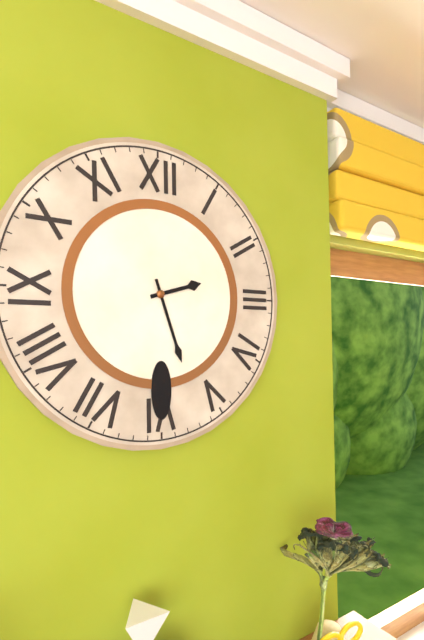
2:27
